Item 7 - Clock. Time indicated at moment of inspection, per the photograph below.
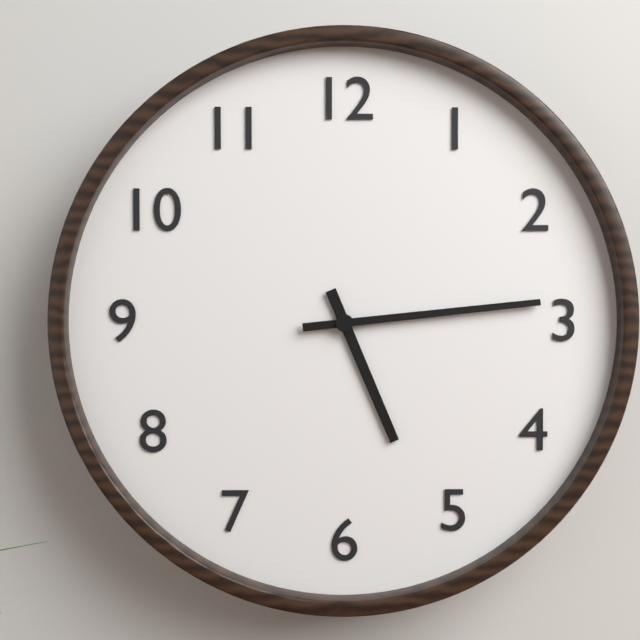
5:14
